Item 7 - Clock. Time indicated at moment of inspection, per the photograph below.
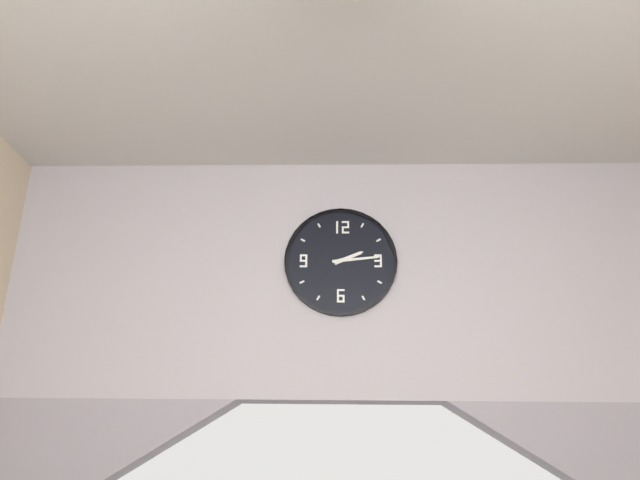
2:14
